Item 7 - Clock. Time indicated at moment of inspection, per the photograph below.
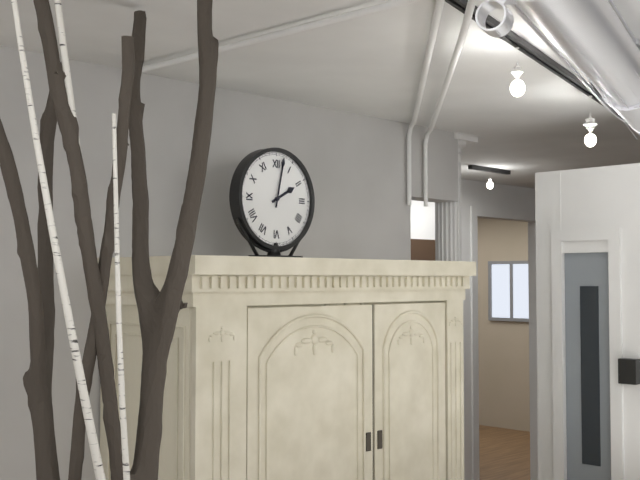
2:02
